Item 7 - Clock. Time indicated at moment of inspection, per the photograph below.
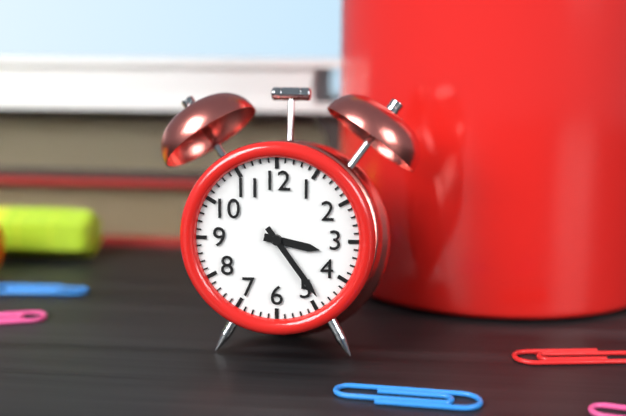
3:24
